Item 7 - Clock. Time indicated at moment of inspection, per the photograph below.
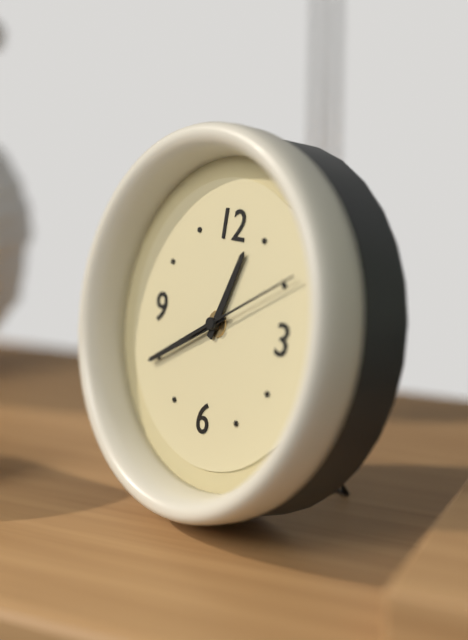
12:40:10
